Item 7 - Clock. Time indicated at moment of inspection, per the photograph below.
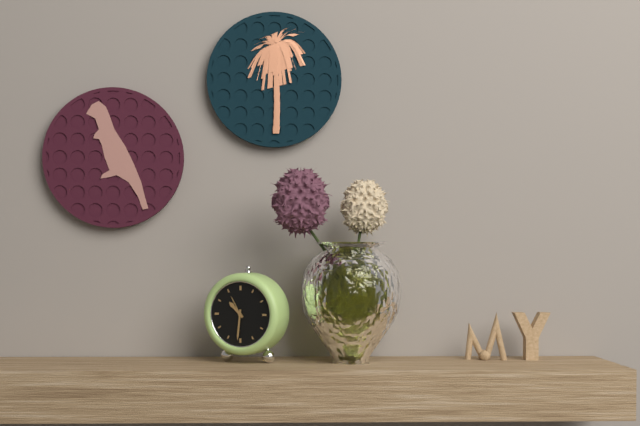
10:31
